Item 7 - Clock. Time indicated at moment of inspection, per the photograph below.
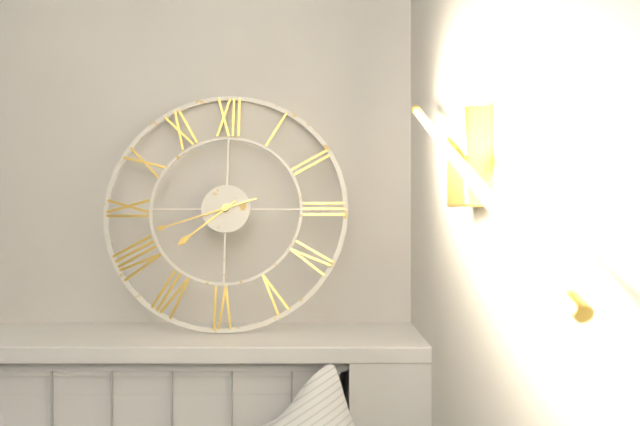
7:42
